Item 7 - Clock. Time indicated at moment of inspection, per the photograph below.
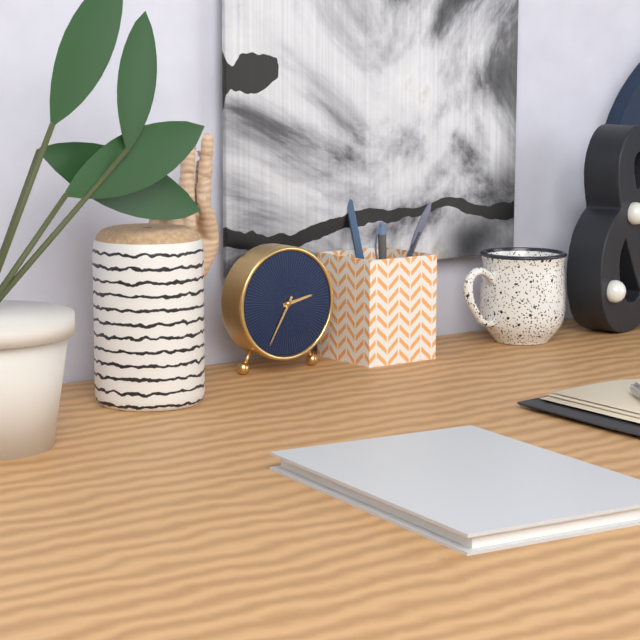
2:35
